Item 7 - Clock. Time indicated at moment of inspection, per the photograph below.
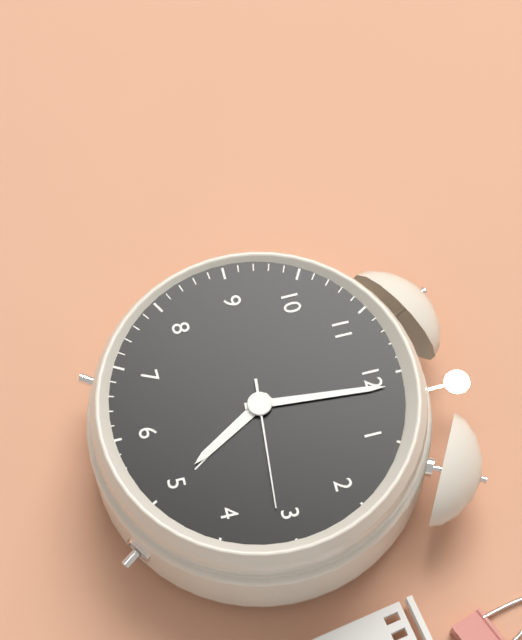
5:01:16
